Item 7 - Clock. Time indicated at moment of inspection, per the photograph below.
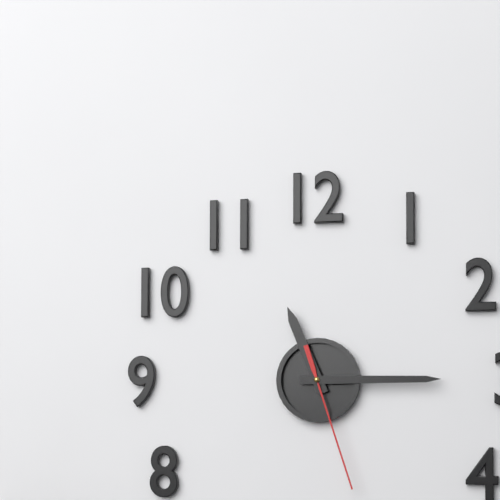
11:15:27
